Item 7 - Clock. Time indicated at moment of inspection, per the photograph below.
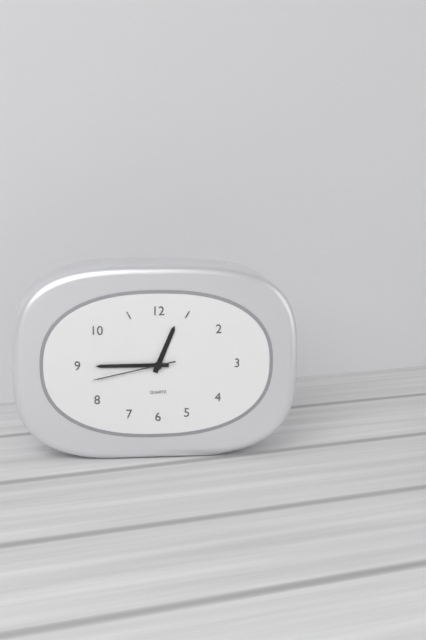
12:45:43
